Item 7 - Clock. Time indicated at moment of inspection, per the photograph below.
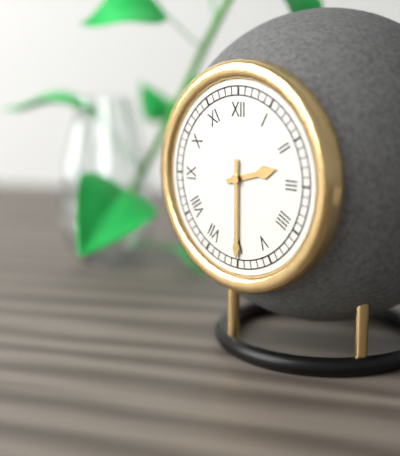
2:30
